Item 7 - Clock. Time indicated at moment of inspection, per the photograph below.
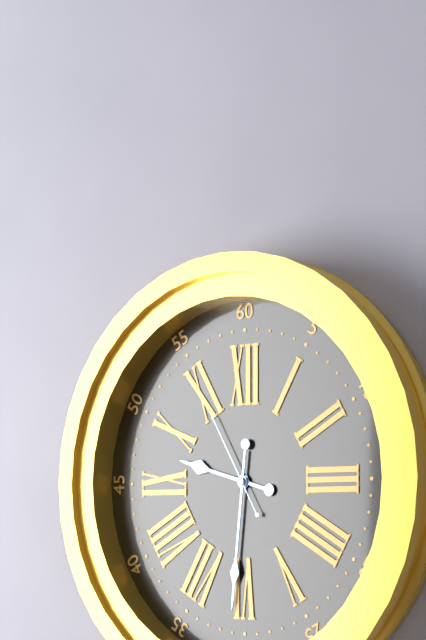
9:31:55
